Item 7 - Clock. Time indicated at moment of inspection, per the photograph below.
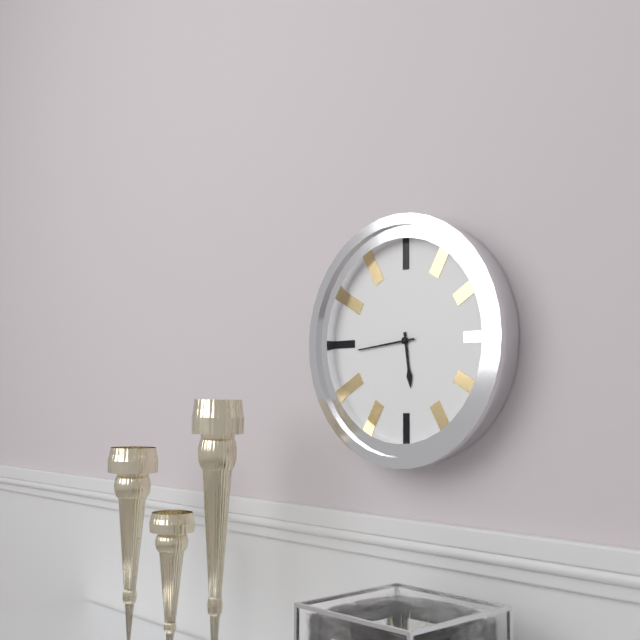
5:44
